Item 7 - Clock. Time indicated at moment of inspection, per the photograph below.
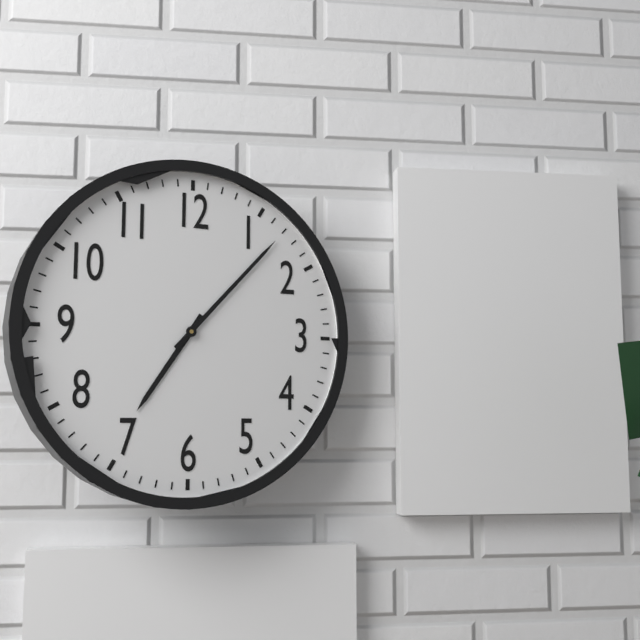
7:07
